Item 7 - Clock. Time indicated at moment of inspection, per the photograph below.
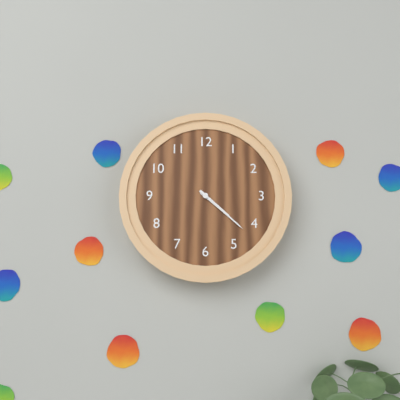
4:22
